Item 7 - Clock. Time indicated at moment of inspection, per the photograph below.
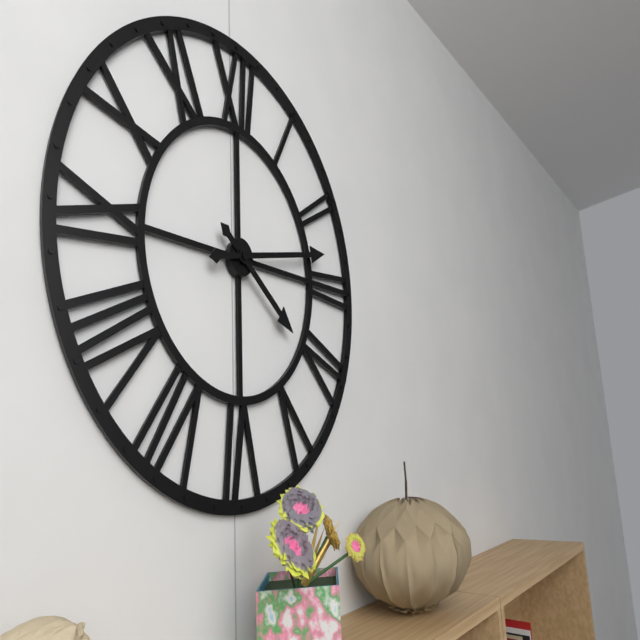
4:13
